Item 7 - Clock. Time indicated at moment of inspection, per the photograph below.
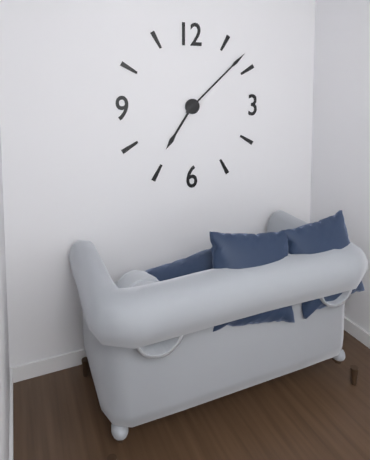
7:08
